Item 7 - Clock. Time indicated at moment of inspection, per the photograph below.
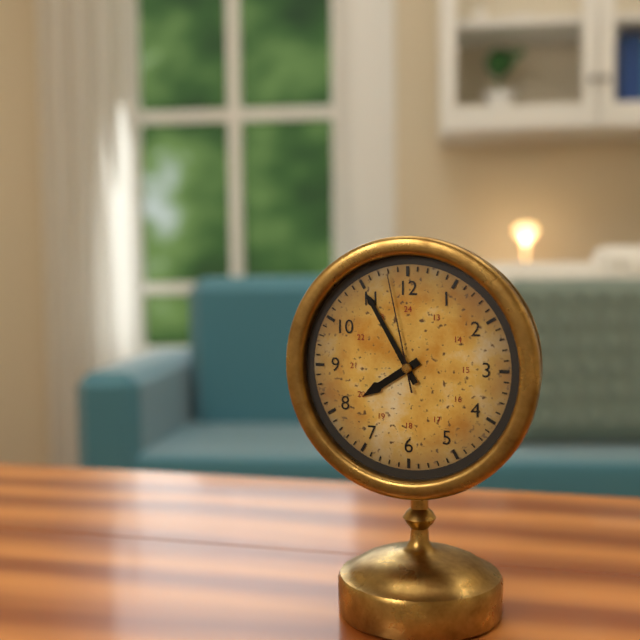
7:55:58
